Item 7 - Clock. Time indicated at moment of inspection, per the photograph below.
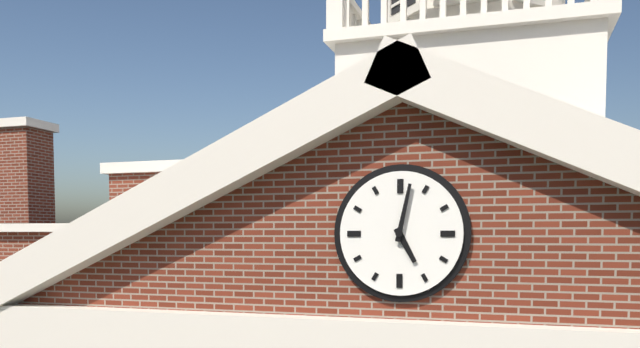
5:02
